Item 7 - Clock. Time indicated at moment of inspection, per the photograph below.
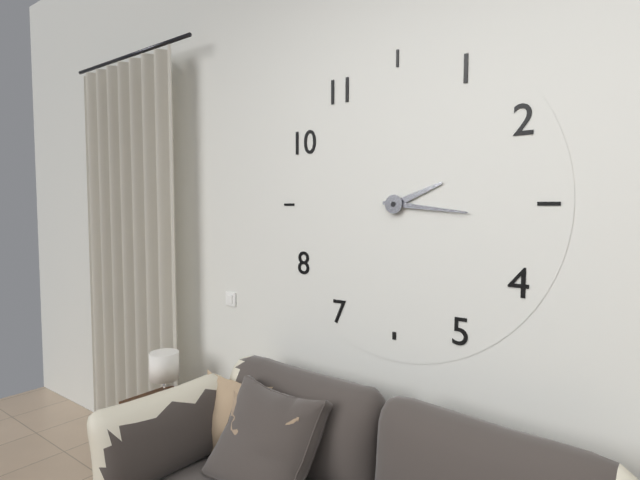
2:16
